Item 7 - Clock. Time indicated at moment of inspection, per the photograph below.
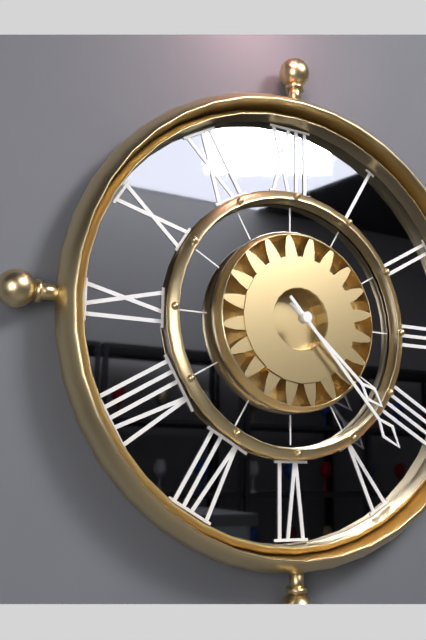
4:23
